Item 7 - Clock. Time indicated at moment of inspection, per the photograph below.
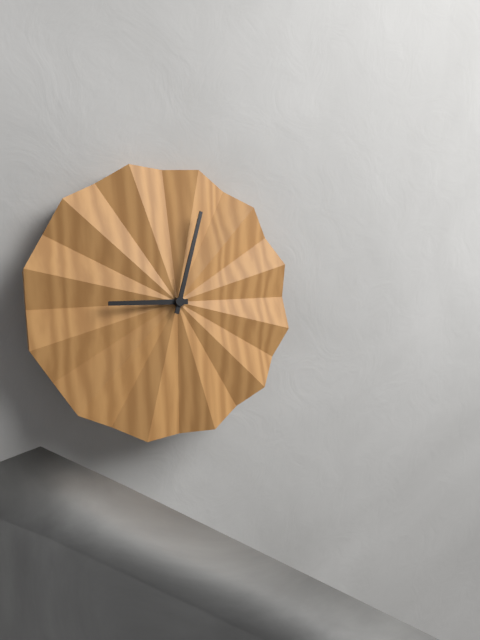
9:03
